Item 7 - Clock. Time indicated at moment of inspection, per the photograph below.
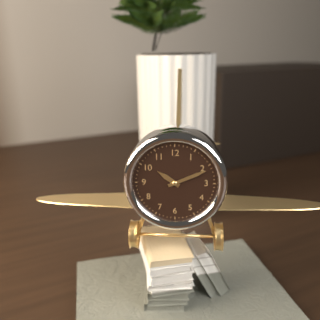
10:11
